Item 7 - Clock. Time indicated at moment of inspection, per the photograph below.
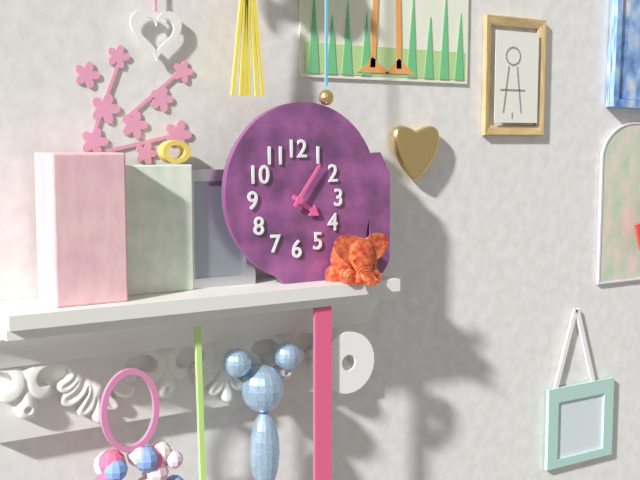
4:06
